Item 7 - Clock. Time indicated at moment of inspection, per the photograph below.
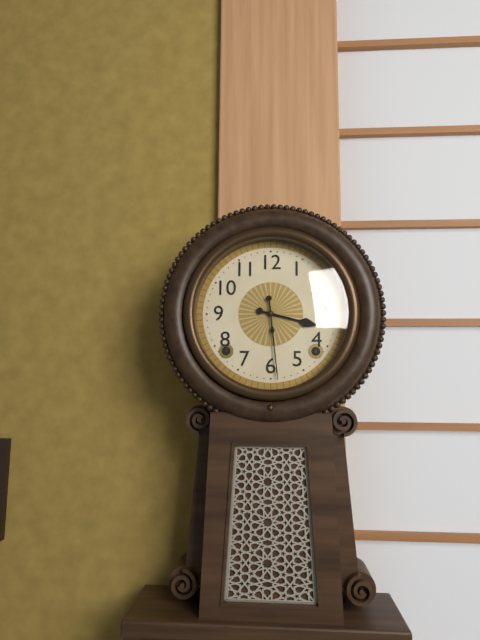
3:29
